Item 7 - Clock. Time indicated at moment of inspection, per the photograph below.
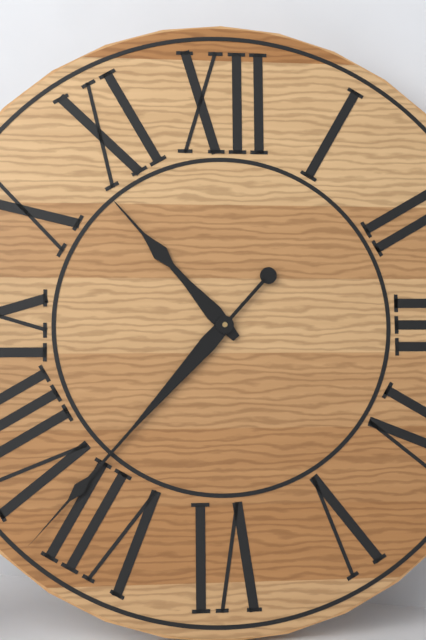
10:37
